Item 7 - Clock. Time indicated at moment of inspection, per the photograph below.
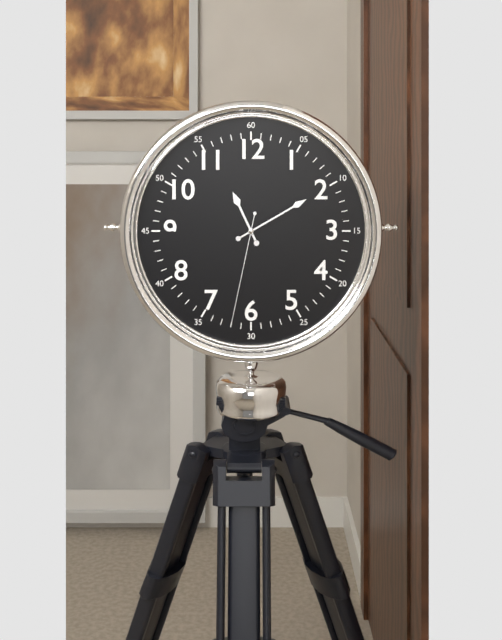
11:10:32
